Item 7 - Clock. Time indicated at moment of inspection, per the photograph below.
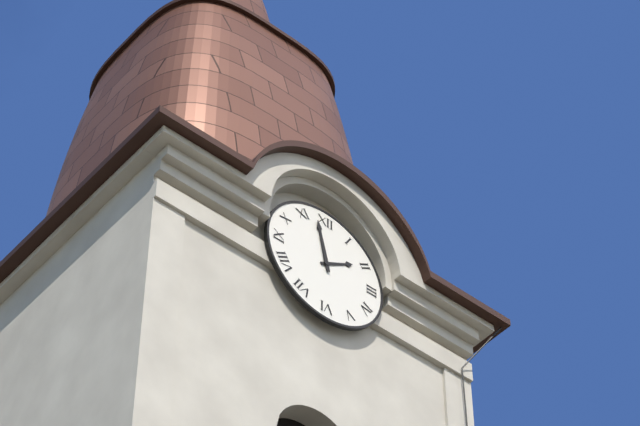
1:58
